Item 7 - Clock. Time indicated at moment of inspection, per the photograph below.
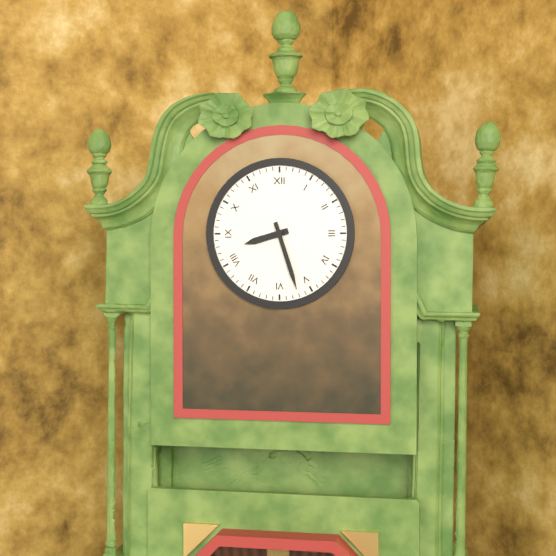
8:27
